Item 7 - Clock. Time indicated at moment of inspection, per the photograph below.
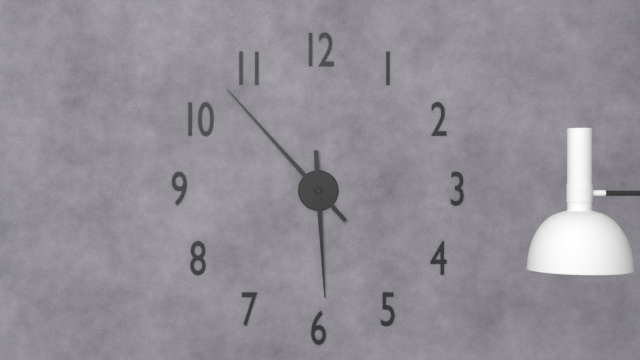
5:53
